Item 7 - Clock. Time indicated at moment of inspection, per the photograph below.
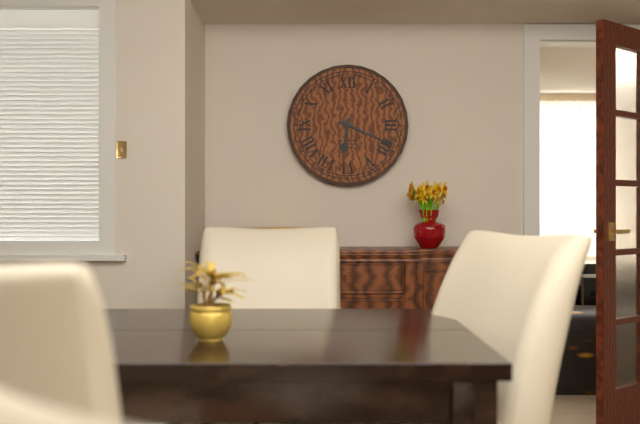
6:19
